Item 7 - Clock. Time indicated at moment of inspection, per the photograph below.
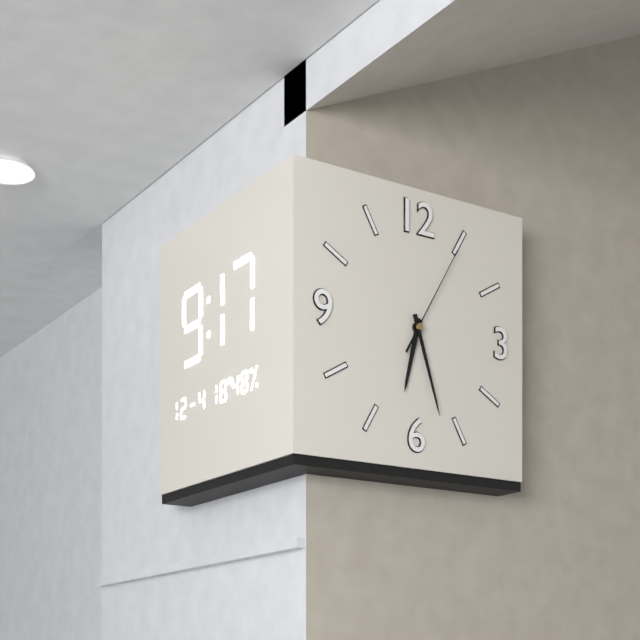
6:27:05
